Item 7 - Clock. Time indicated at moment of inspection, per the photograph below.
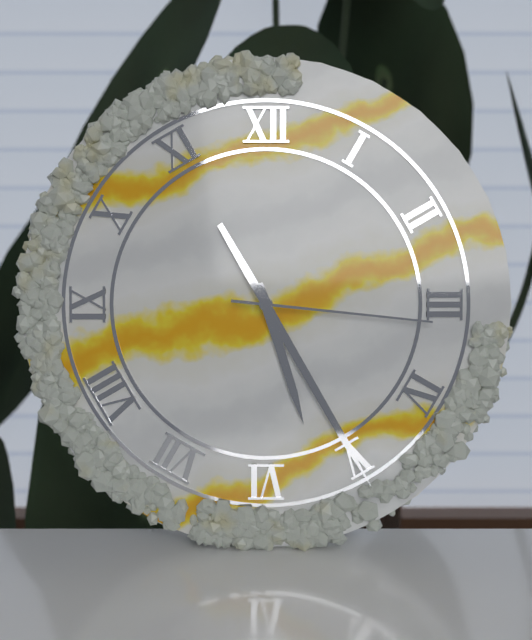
5:25:16
